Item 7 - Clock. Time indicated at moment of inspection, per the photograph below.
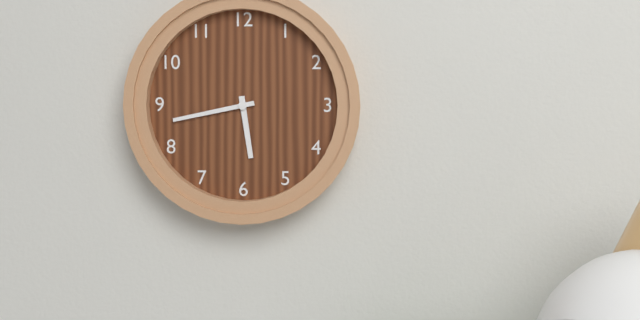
5:43
